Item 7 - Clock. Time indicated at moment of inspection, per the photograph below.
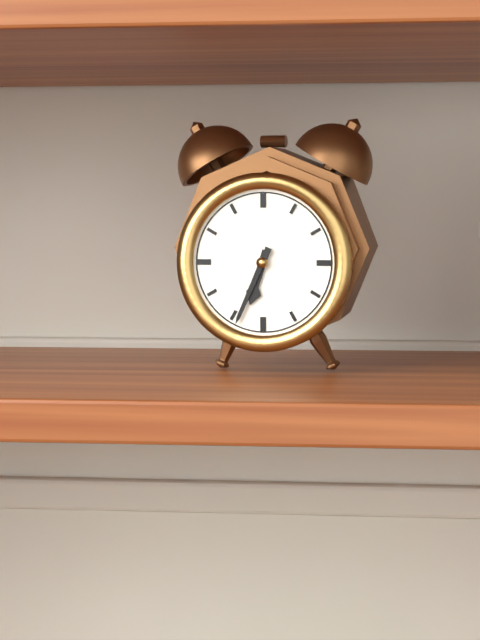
6:34
